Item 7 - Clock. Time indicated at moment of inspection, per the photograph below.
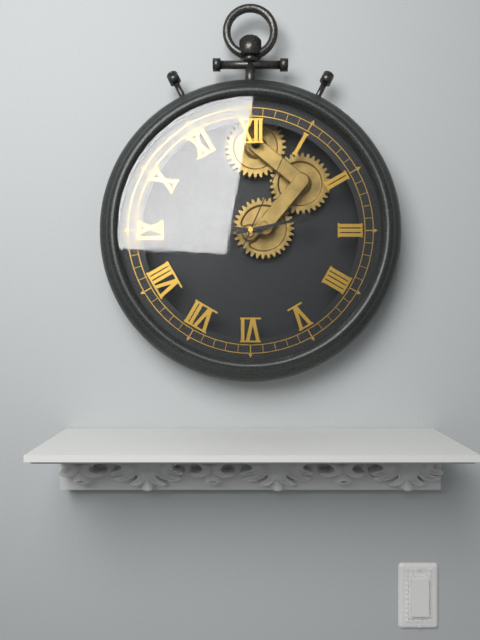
9:13:04
